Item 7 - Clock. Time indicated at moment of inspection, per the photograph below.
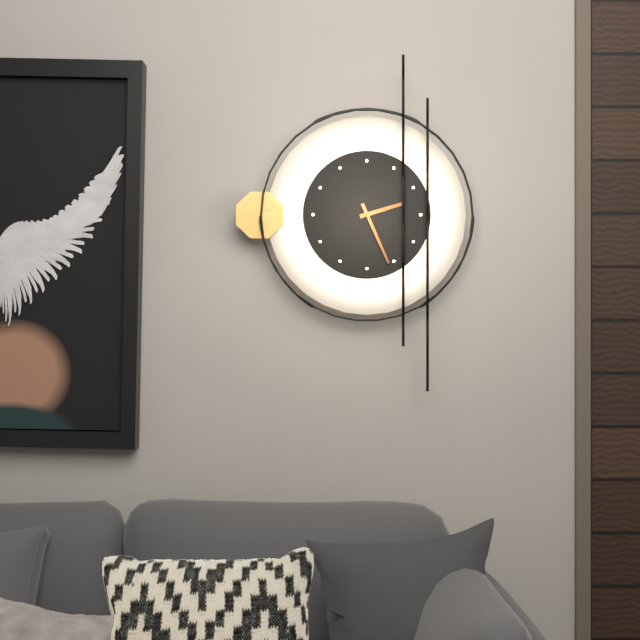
2:26
